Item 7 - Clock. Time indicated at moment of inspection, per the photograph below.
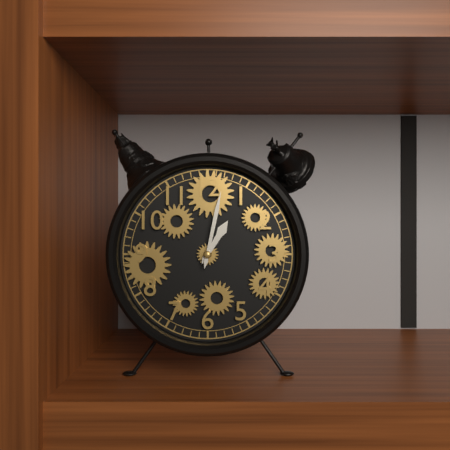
1:02
